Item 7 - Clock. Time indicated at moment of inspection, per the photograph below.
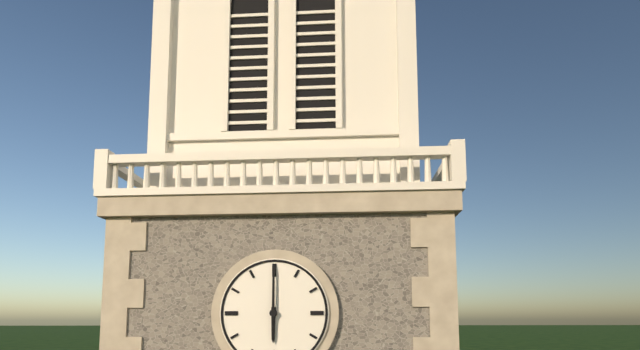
6:00
